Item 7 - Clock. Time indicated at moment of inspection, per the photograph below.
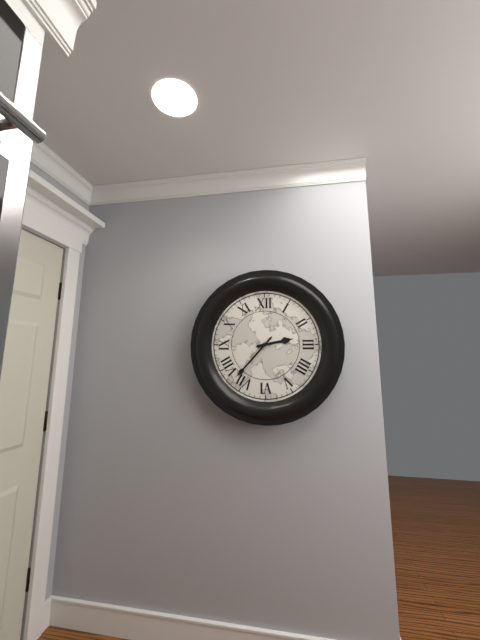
2:37
